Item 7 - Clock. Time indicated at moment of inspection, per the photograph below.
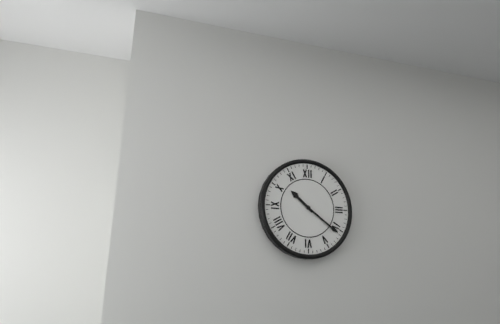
10:21
